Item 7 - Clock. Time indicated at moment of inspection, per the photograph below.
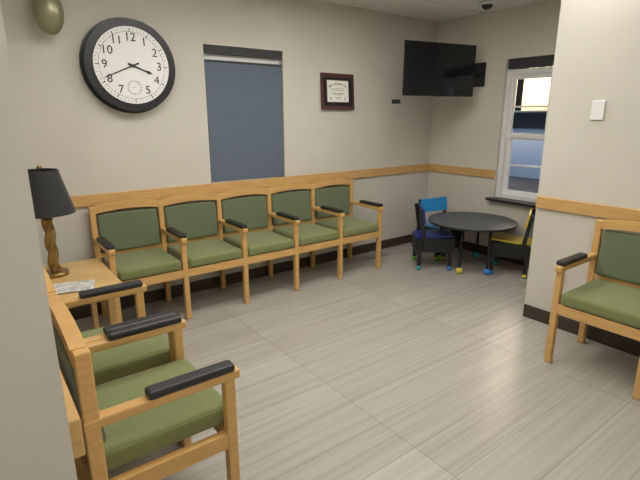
3:41
